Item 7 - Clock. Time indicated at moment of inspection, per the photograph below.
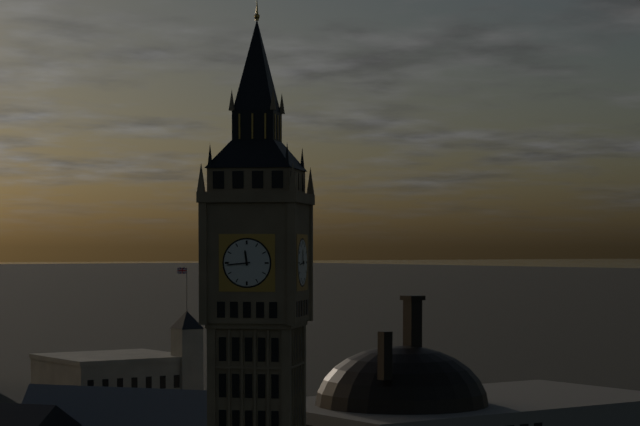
11:44
